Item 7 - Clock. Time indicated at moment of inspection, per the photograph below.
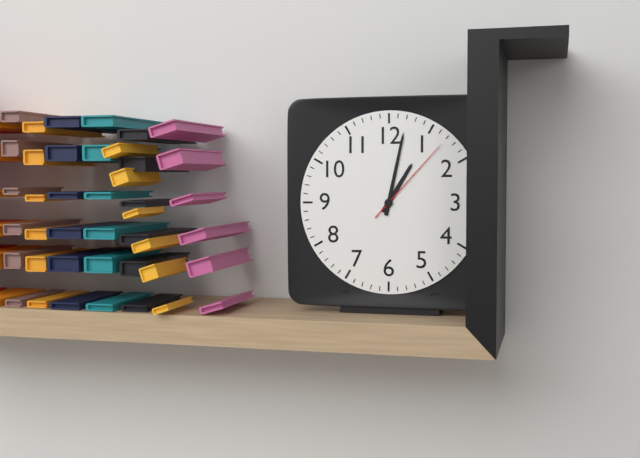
1:02:07
